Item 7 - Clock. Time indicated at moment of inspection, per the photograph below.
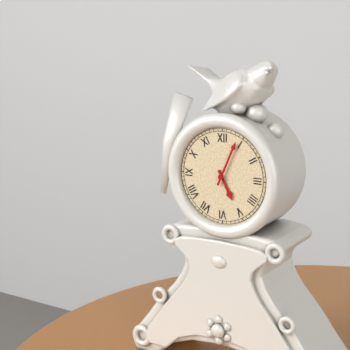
5:04
